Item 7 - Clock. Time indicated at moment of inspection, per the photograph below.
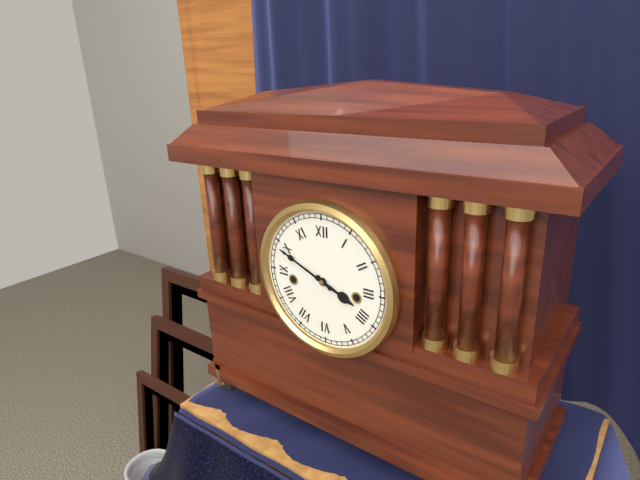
3:49
